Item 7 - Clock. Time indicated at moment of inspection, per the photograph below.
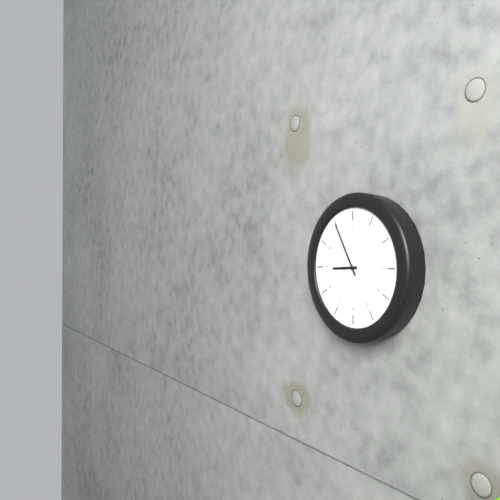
8:55
